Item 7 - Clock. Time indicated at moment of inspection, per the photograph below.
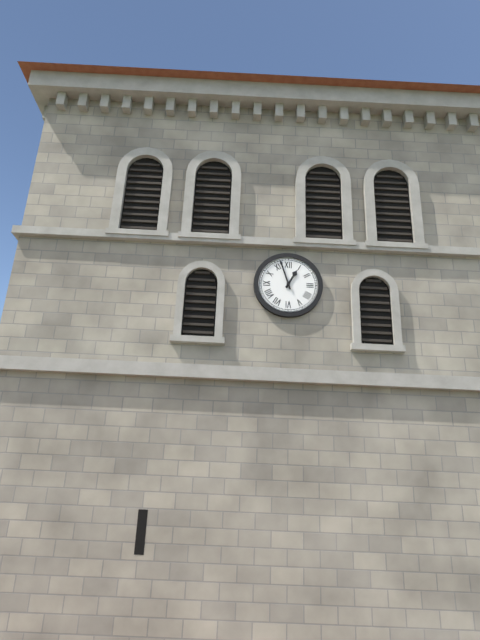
12:57
